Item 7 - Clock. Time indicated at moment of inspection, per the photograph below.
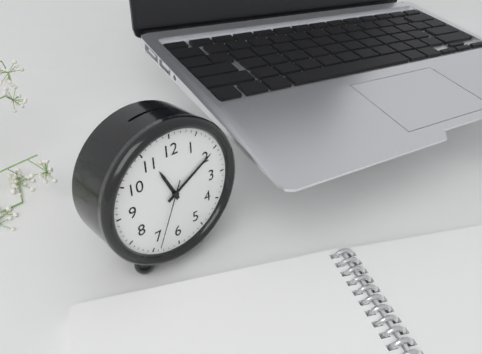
11:10:34
